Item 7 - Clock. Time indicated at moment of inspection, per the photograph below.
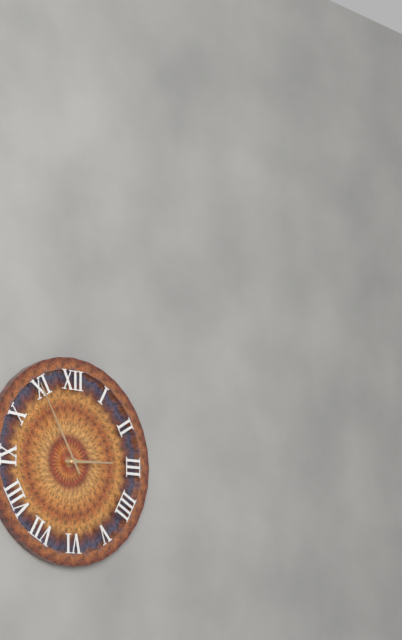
2:55
